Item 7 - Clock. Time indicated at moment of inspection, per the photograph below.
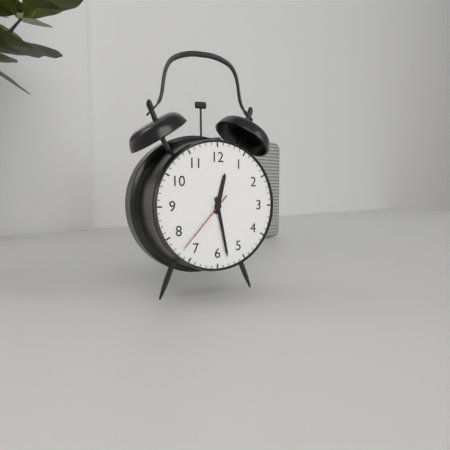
12:28:37
